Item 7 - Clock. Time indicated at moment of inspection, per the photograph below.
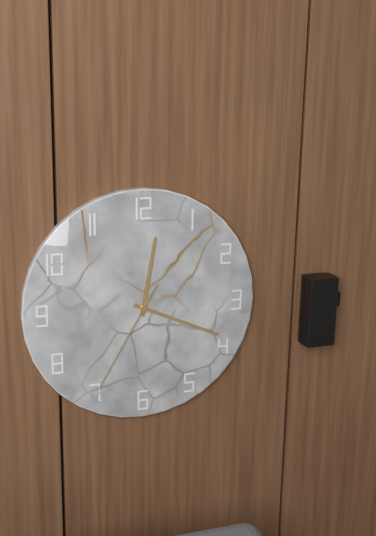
12:19:35
